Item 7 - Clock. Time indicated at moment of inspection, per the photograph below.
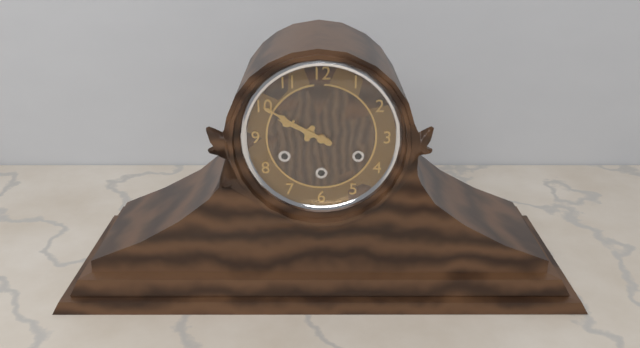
9:50
